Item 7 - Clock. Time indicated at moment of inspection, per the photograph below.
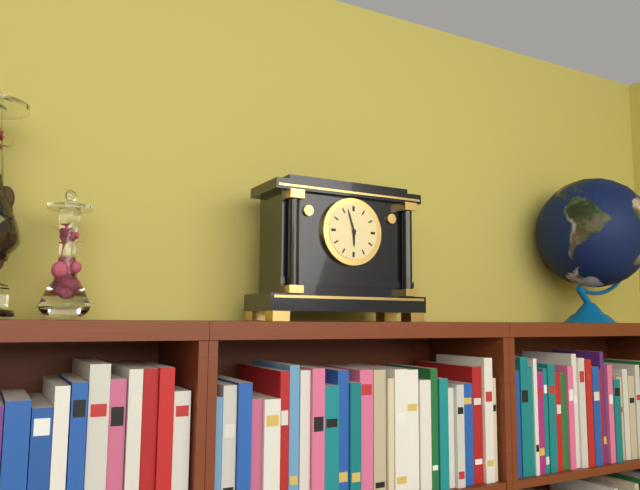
5:57
